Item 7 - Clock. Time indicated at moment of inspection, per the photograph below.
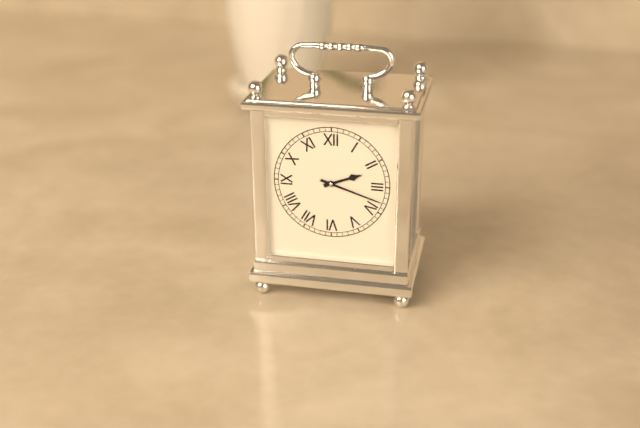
2:18
